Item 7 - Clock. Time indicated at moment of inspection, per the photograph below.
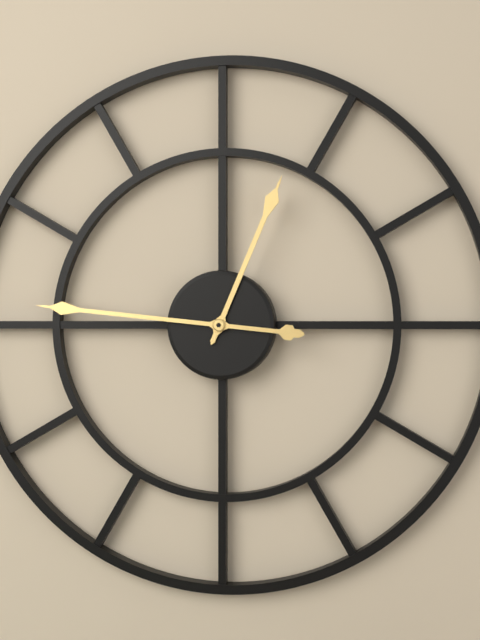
12:46
